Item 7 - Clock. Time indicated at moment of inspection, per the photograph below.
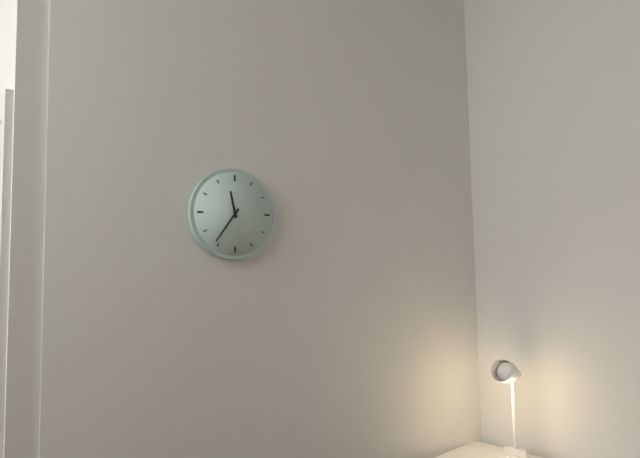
11:36
